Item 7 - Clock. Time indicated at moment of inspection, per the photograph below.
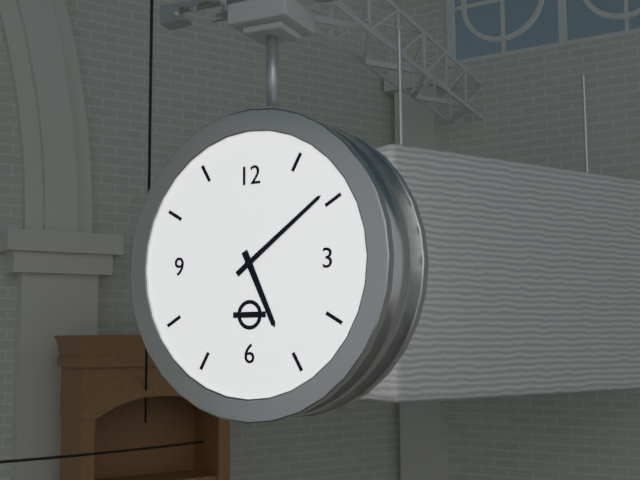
5:09
